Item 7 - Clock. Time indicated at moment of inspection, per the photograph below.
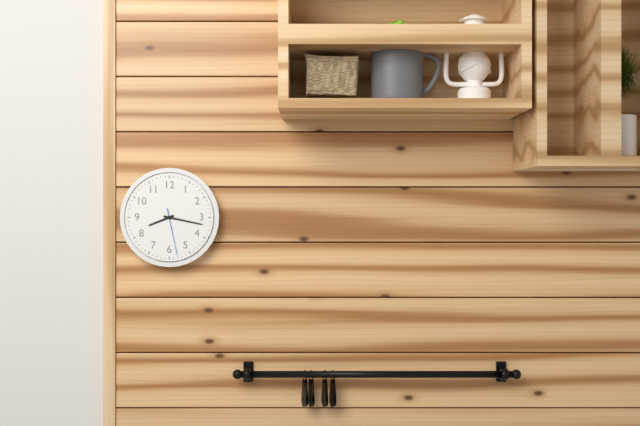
8:17:28
